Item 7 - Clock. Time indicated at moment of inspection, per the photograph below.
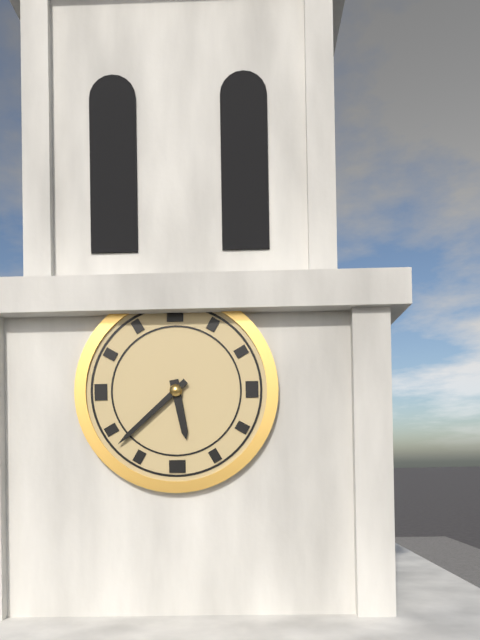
5:38
